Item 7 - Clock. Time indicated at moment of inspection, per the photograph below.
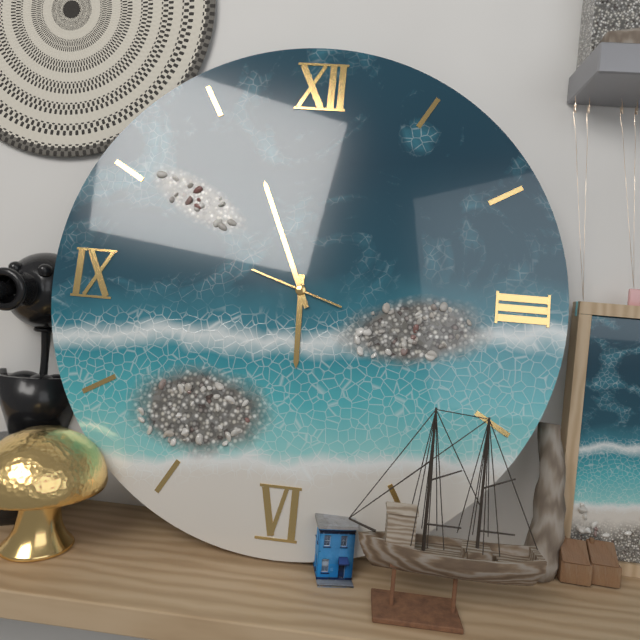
5:56:48
